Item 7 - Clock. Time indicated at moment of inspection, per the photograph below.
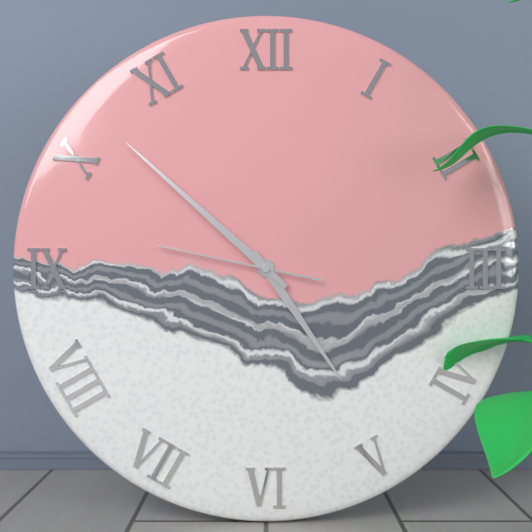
4:52:47
